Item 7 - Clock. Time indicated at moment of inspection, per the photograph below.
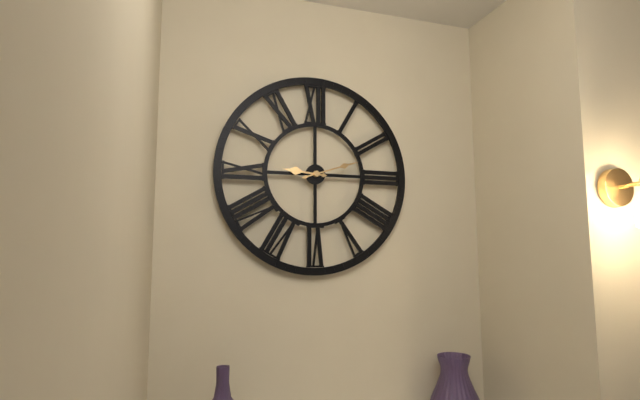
9:12
